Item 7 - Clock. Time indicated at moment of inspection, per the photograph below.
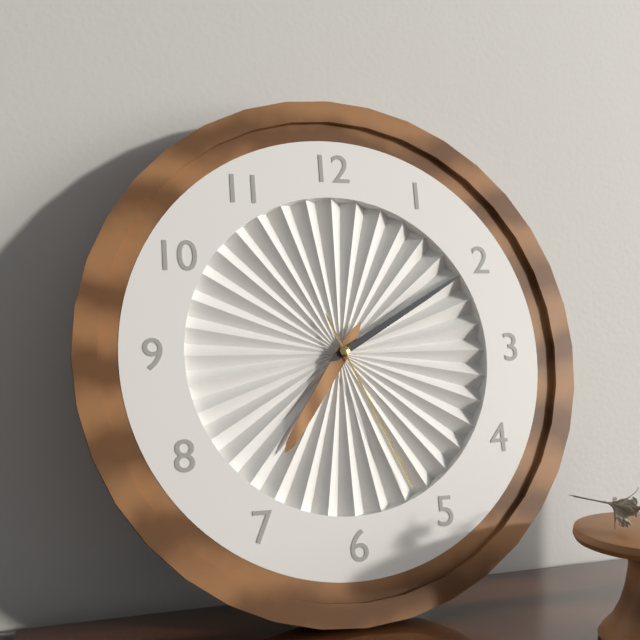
7:10:26
